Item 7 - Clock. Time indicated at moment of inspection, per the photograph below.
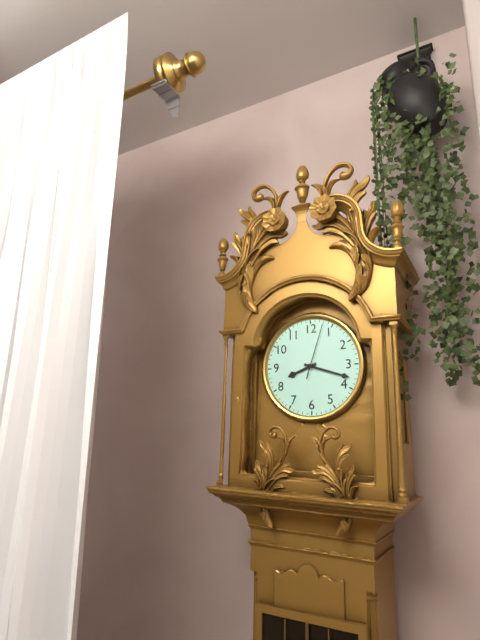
8:18:03
